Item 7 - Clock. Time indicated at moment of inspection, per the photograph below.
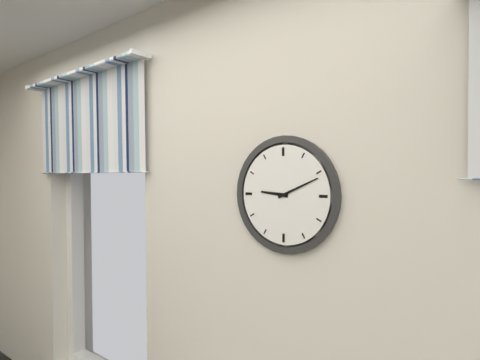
9:11
